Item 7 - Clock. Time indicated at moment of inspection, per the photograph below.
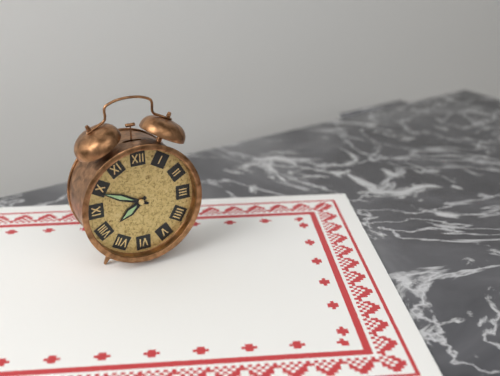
7:49
